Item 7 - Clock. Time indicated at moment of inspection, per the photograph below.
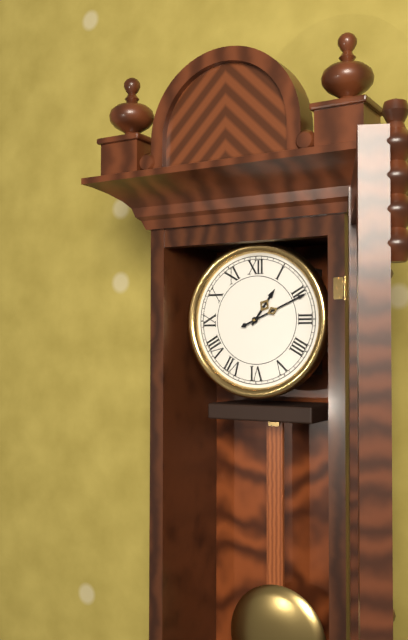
1:11
